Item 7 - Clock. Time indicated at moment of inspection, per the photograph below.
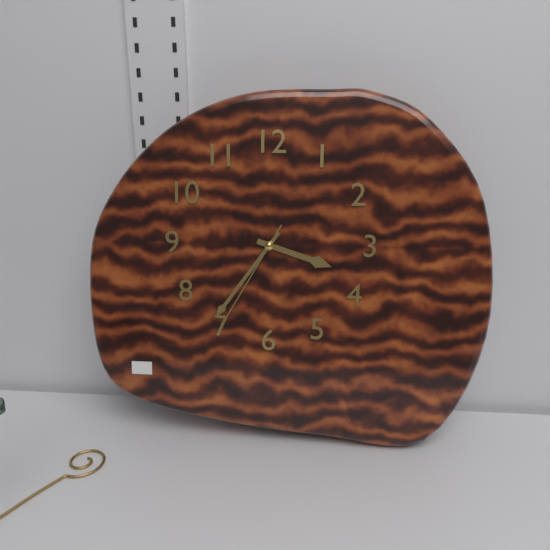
3:36:35
